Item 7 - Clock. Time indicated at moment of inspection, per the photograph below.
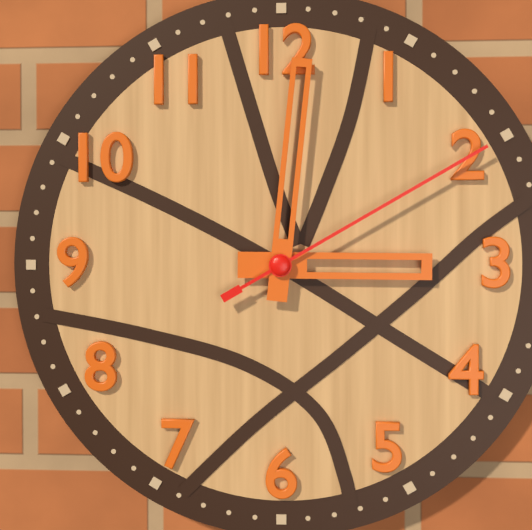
3:01:10
